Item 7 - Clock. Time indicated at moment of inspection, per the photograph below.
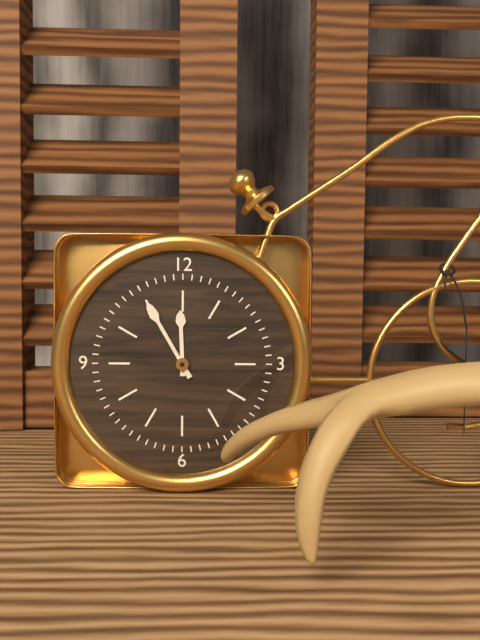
11:55
